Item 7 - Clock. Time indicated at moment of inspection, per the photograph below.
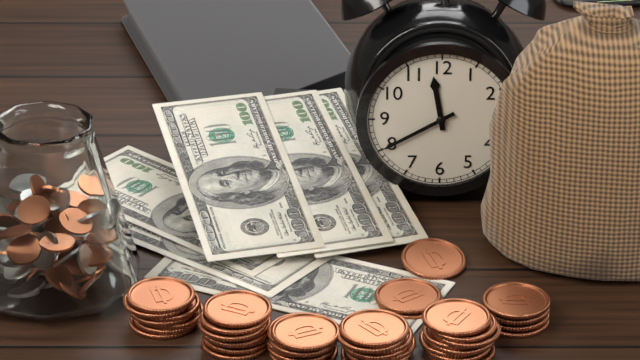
11:40
